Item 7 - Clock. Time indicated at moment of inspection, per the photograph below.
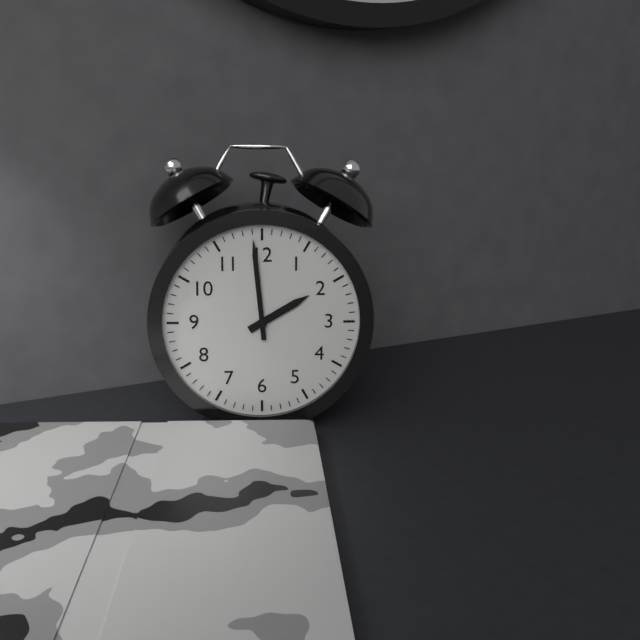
1:59
